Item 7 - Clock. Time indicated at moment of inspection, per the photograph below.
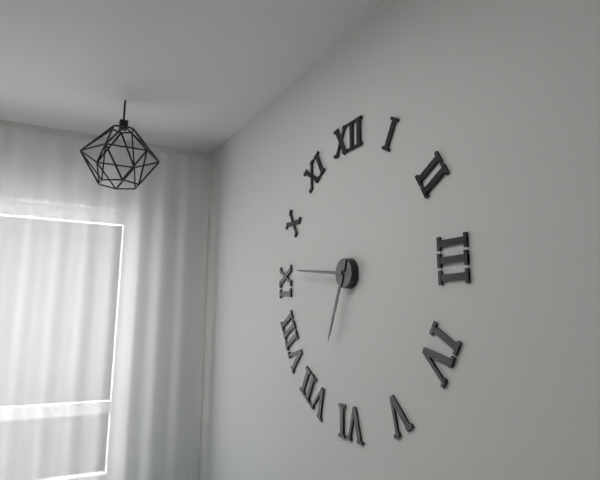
6:46
